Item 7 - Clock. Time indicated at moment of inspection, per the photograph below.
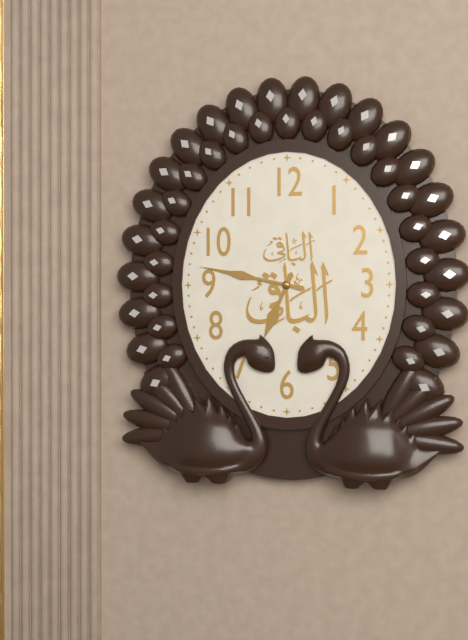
6:47
